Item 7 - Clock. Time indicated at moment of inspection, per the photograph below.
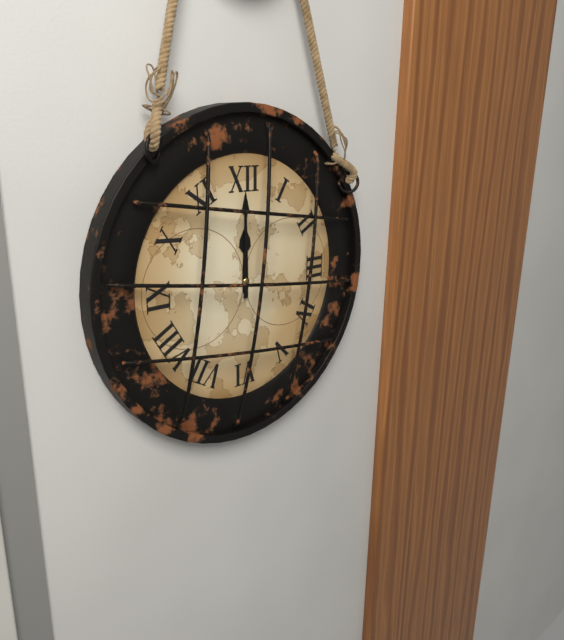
12:00
